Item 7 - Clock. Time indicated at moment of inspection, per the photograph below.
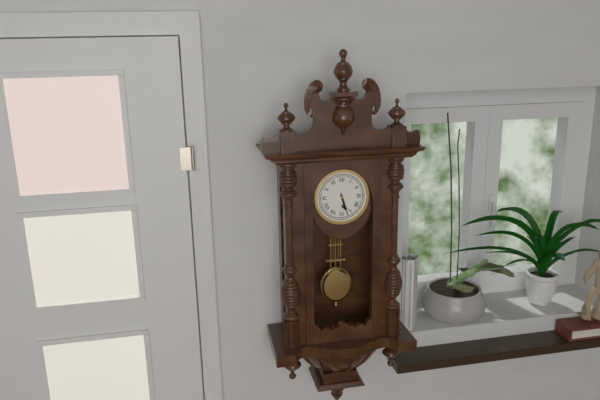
5:27
